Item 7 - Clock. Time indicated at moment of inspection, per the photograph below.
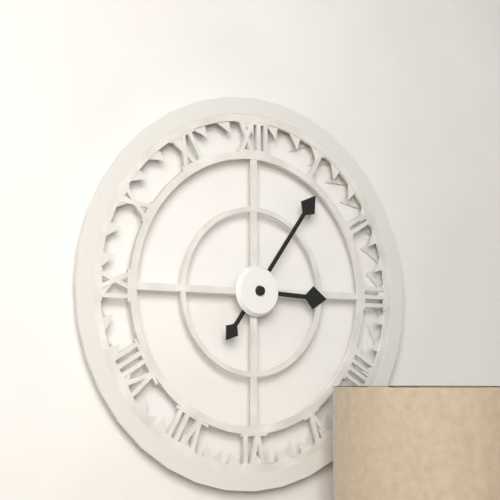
3:06
